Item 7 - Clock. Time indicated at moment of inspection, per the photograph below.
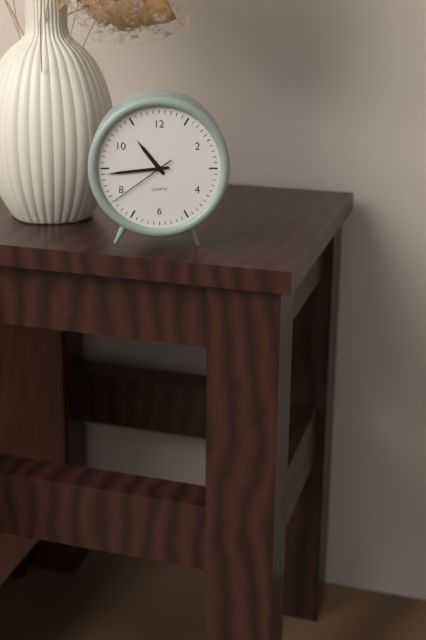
10:44:39
